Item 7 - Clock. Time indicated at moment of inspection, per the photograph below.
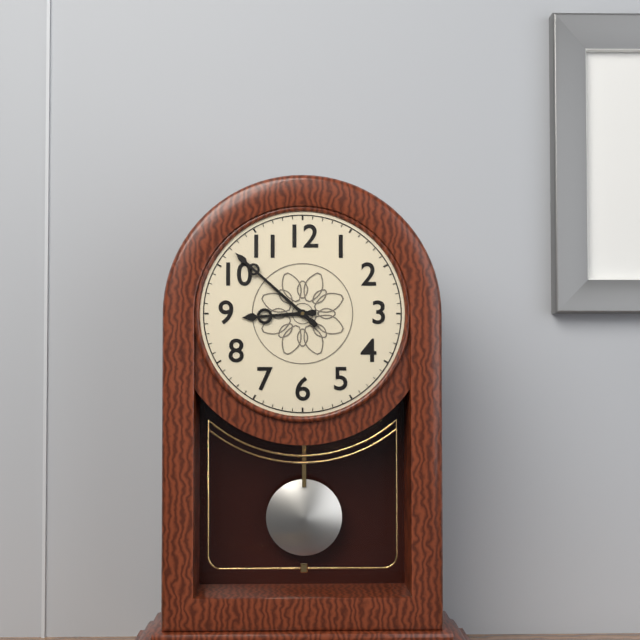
8:52
